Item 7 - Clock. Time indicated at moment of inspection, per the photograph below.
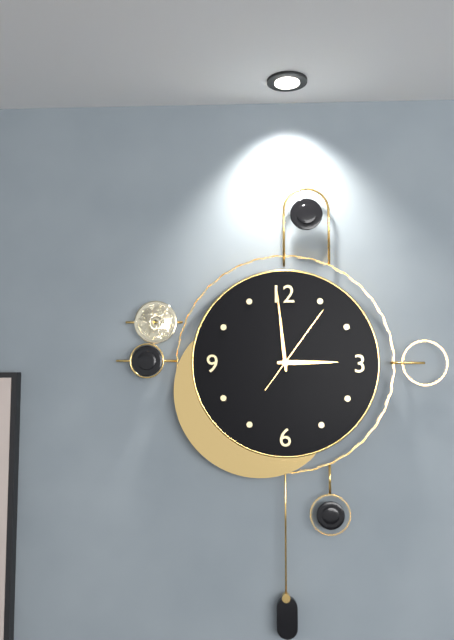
2:59:06
